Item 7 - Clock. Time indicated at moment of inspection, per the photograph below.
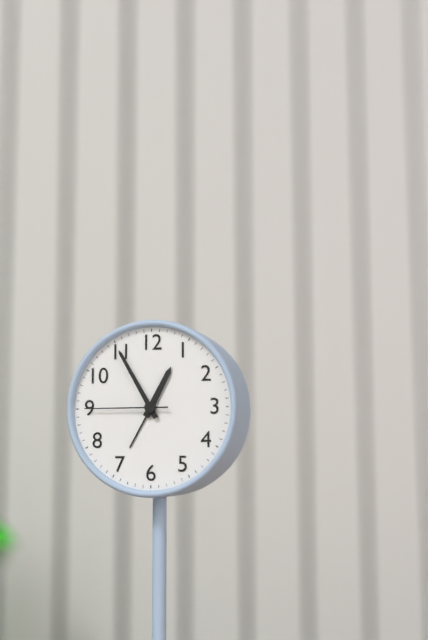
12:55:45
